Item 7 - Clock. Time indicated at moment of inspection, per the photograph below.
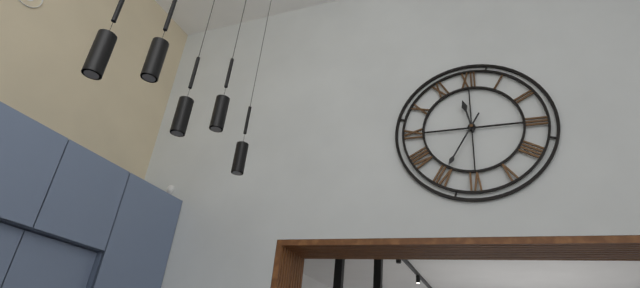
11:35
